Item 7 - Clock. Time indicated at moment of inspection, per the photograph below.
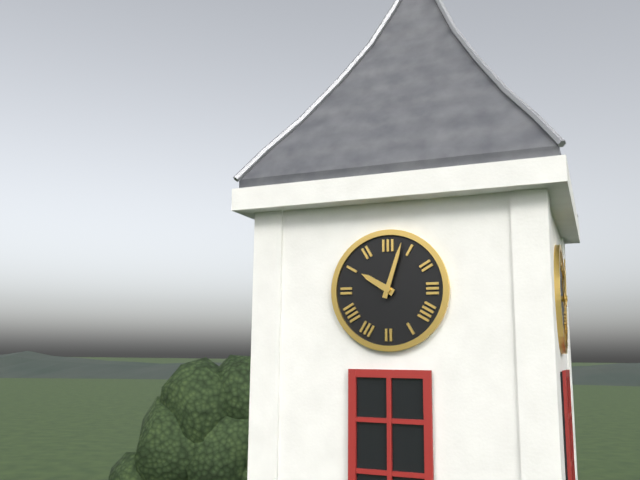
10:03
